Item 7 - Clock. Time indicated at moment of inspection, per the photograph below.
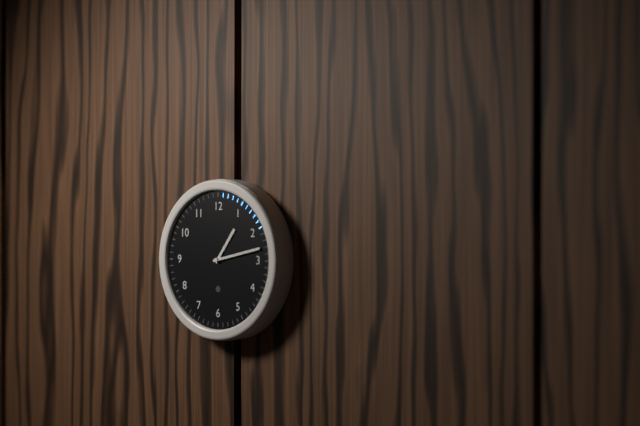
1:13
